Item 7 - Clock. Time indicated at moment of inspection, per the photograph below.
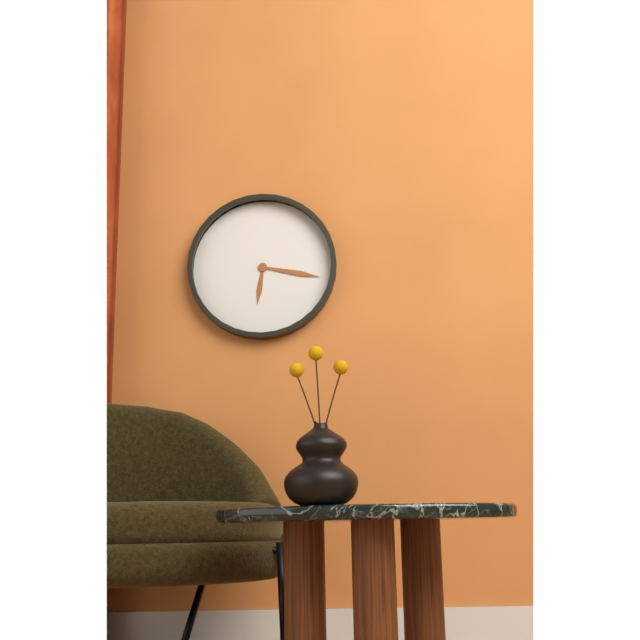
6:17
